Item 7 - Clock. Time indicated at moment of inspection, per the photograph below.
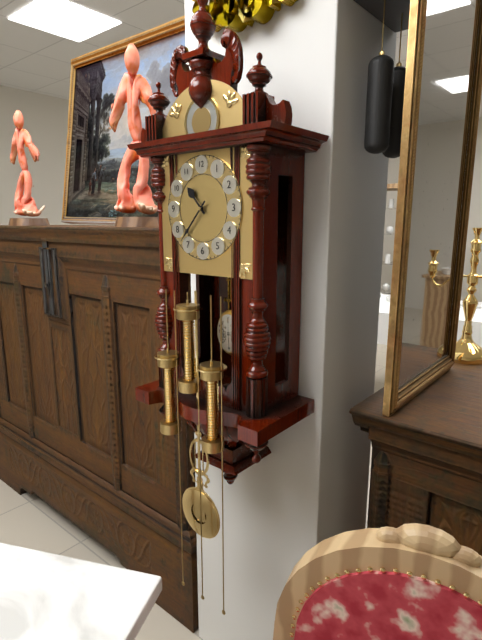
10:37
